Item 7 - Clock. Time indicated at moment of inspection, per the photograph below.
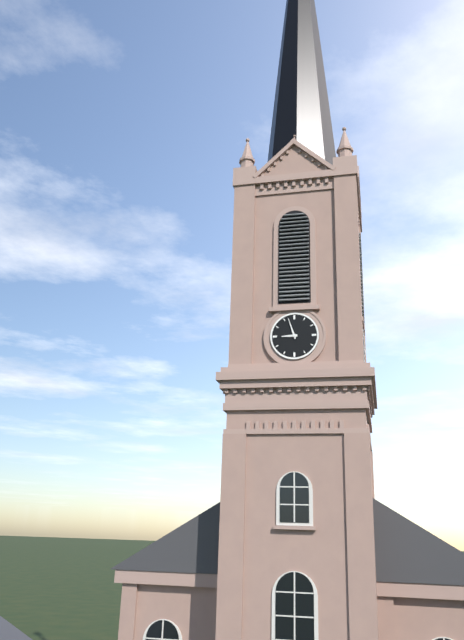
8:57
